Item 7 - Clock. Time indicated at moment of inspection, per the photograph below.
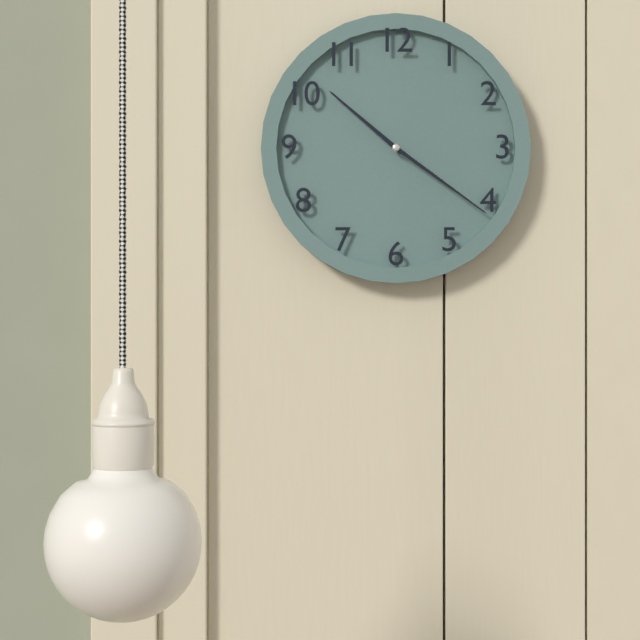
10:21
